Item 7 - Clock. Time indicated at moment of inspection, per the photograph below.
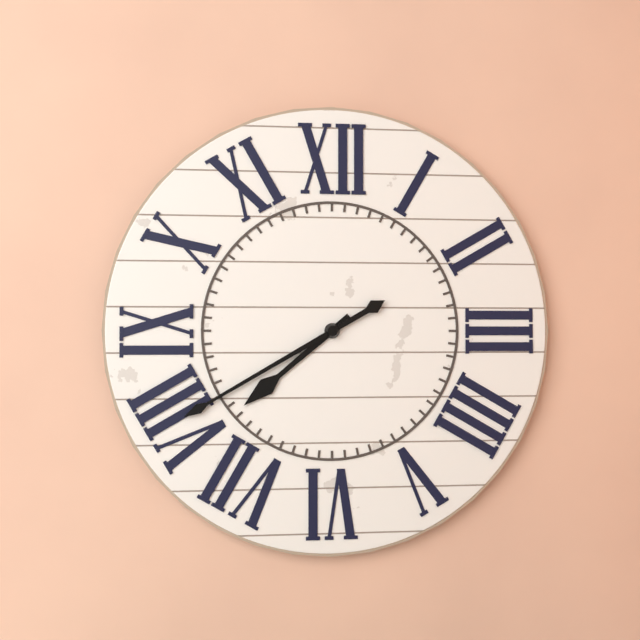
7:40
